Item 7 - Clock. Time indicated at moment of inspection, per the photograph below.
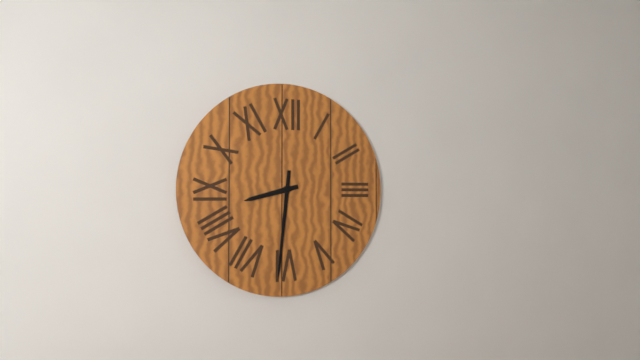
8:31
